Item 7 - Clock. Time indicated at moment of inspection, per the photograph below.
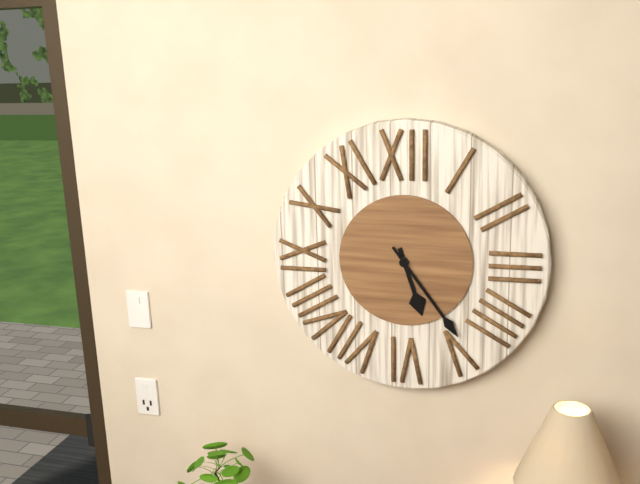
5:24
